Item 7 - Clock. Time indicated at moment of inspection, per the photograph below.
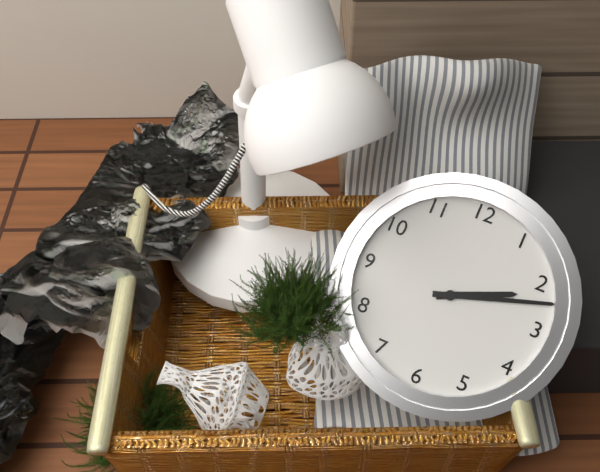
2:12
